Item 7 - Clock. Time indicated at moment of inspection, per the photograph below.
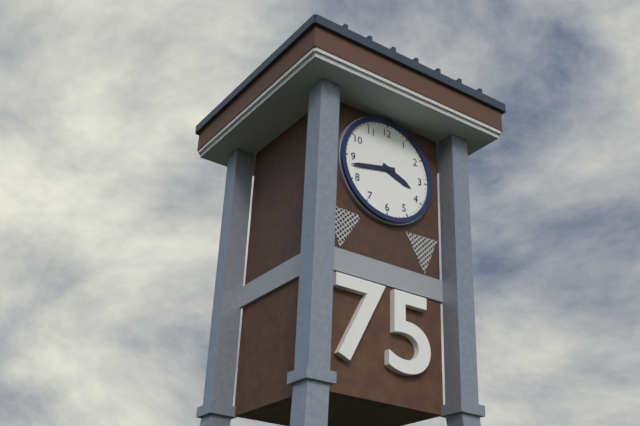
3:43
